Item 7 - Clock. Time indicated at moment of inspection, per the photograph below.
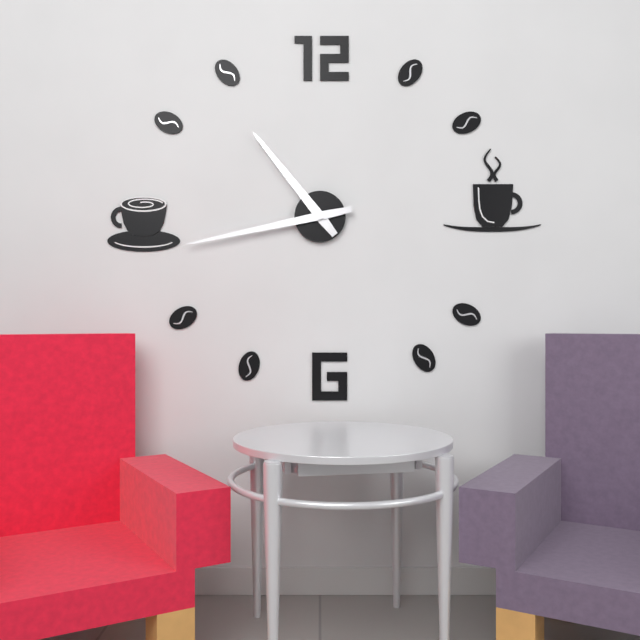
10:43
